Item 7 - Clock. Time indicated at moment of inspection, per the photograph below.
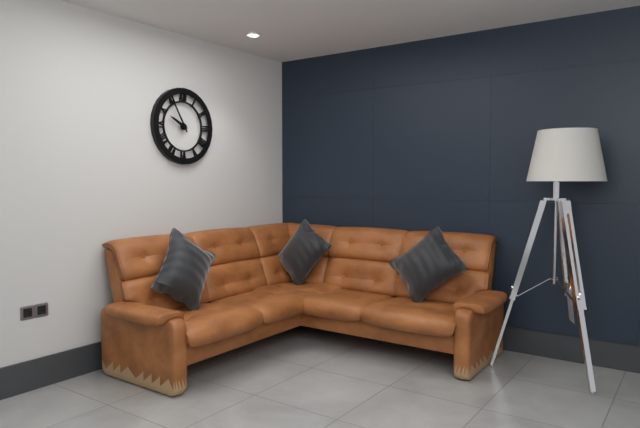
9:55
